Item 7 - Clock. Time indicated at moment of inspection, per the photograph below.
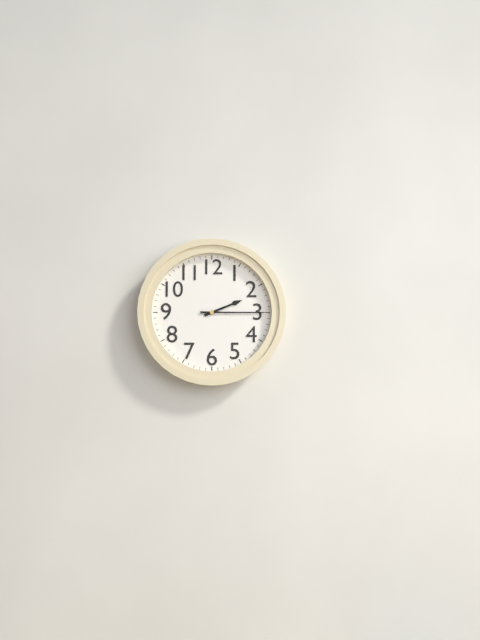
2:15
